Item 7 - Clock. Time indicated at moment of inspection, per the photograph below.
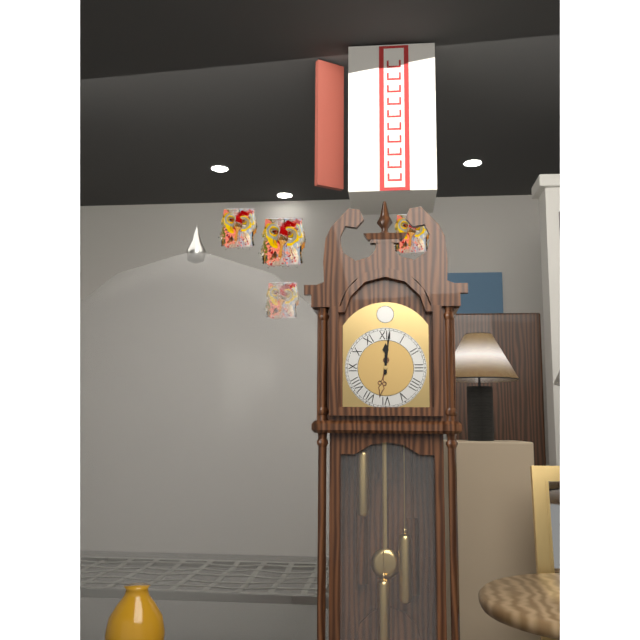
12:01
